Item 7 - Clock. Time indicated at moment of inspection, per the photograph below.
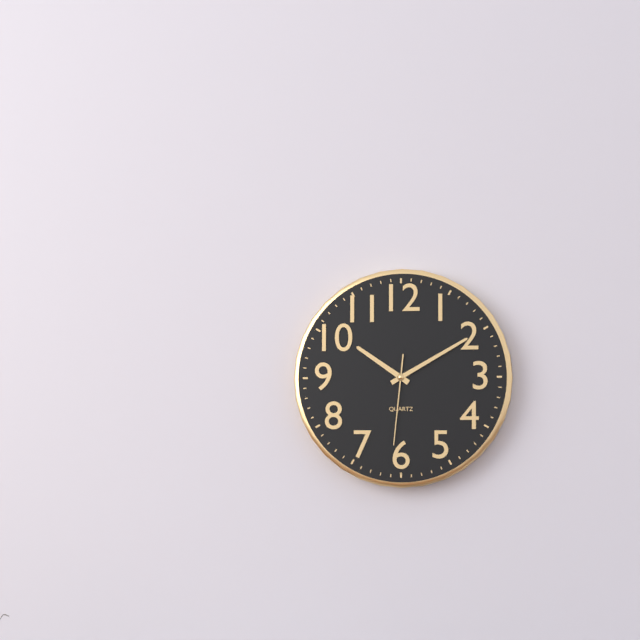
10:10:31
